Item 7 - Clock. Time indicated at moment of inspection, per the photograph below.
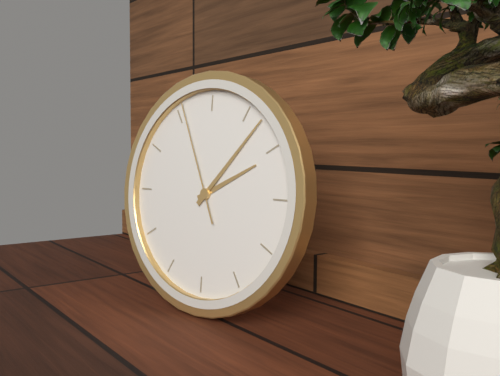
2:07:56
